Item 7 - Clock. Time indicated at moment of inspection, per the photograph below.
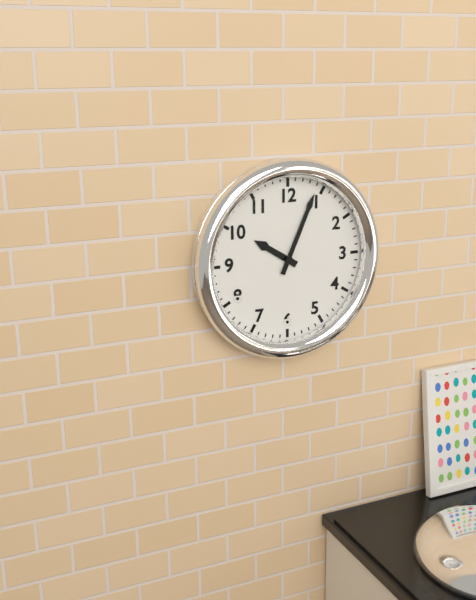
10:04
